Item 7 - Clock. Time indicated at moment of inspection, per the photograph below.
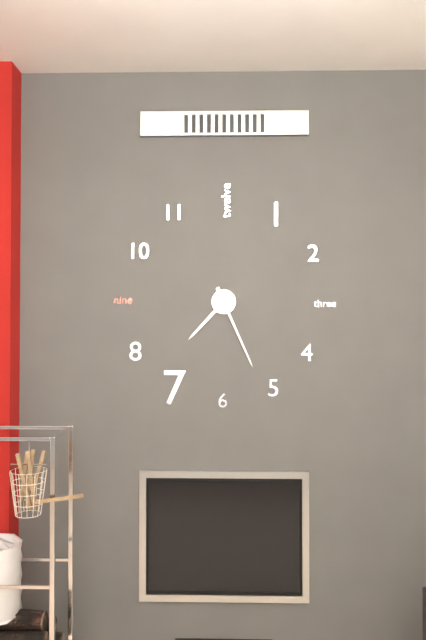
7:26
